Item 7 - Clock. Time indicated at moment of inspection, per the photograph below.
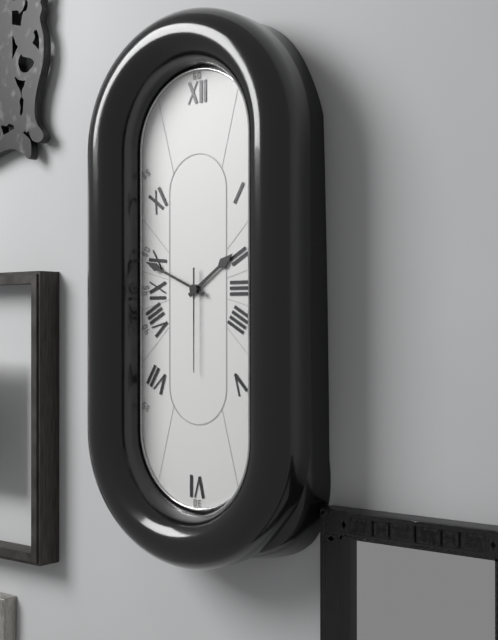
1:49:30
